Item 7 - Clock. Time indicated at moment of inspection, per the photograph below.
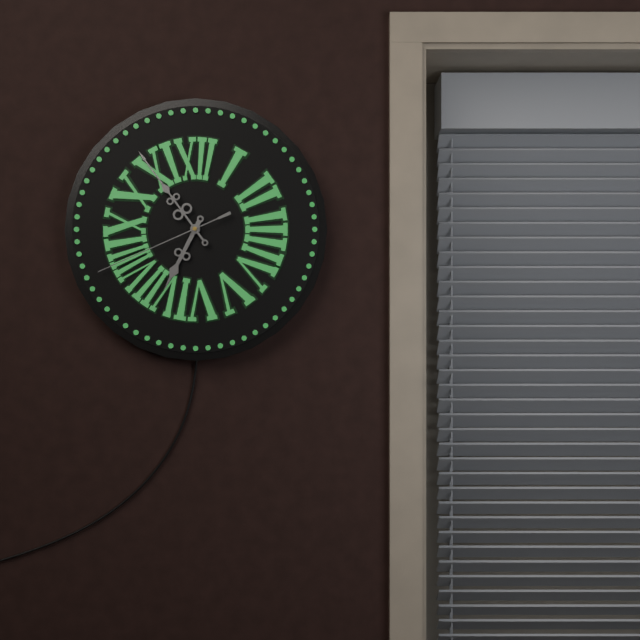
6:54:41
